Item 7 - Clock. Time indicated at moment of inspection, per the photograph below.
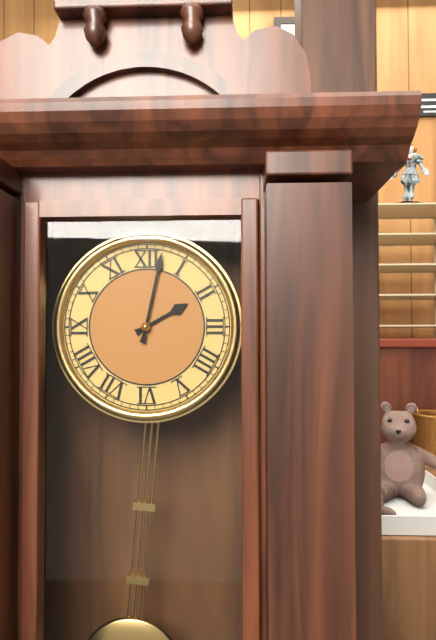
2:02
